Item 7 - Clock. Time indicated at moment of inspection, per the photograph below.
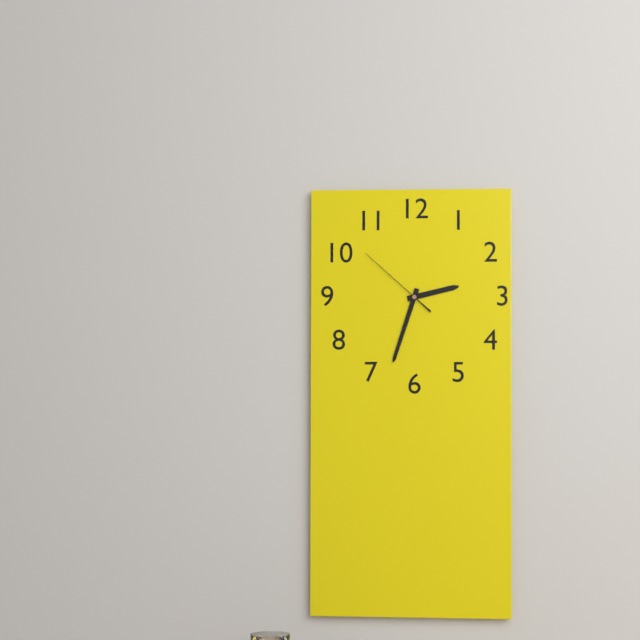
2:33:52
